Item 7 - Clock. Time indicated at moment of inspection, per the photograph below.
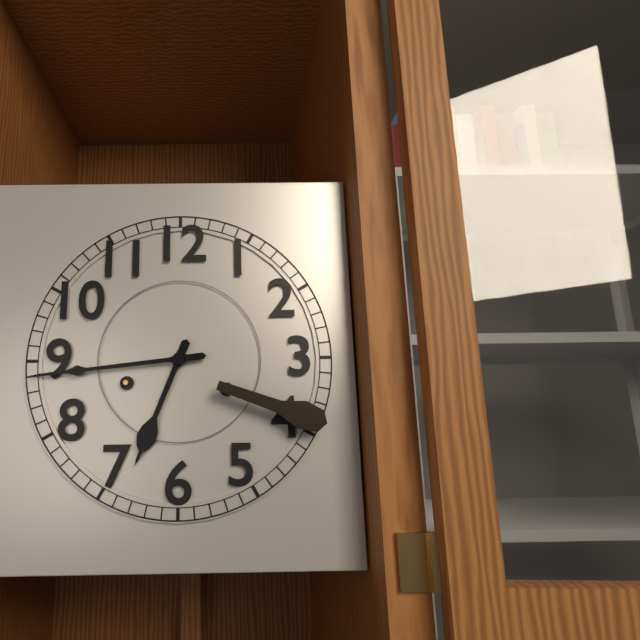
6:44
